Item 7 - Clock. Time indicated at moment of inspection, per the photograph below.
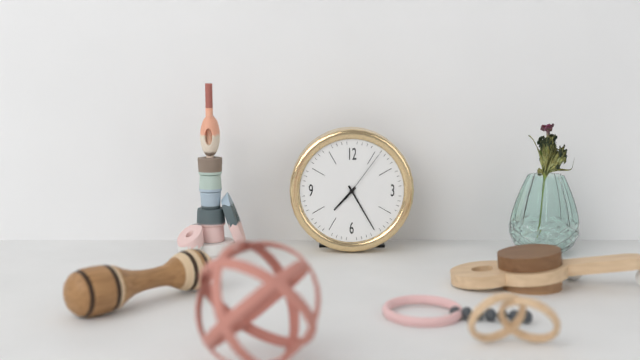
7:25:06
